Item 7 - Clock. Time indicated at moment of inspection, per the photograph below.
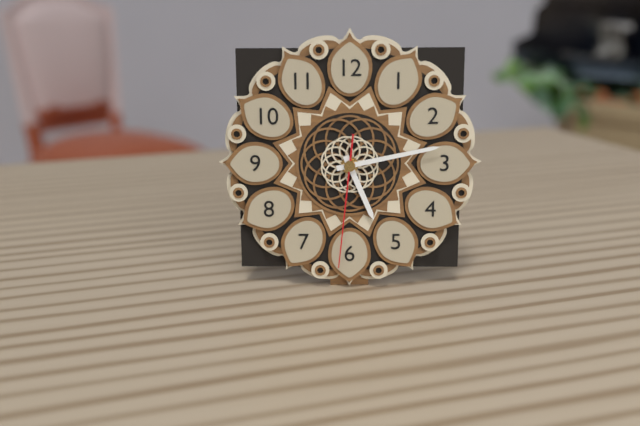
5:13:31
